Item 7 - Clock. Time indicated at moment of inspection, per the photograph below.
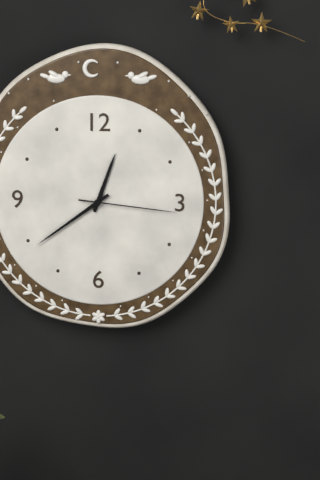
12:39:16
